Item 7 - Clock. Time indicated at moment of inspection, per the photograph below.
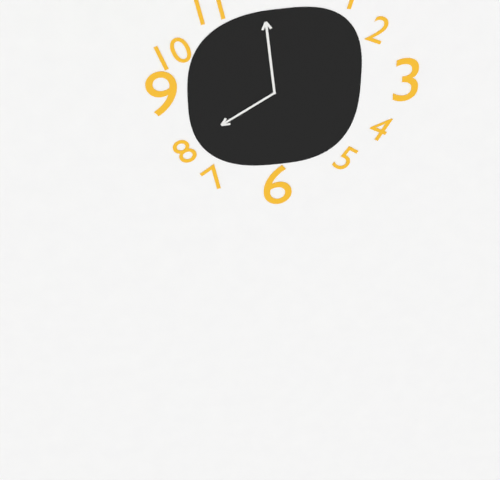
7:59
